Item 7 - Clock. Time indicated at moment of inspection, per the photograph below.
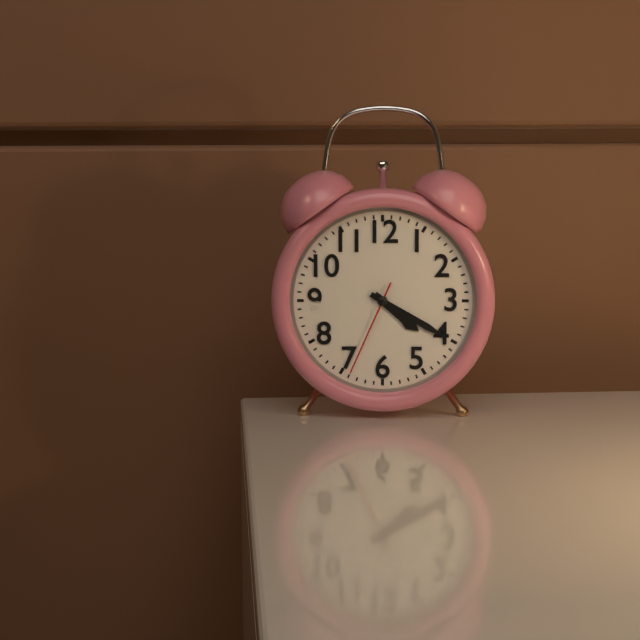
4:20:34
